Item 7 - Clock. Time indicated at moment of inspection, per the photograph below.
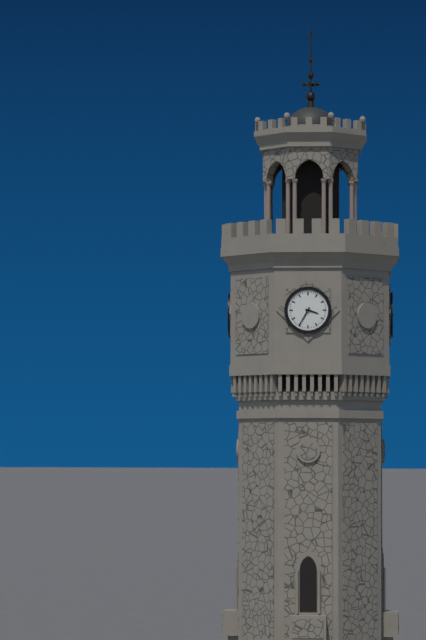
3:35
